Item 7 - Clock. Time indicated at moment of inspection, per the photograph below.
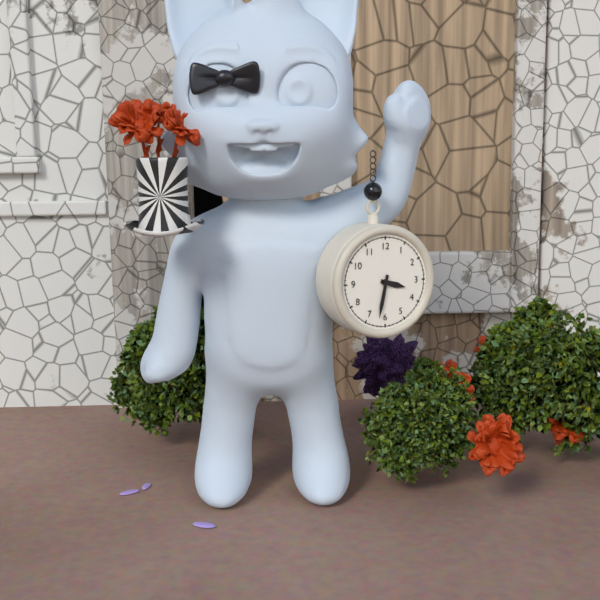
3:32
